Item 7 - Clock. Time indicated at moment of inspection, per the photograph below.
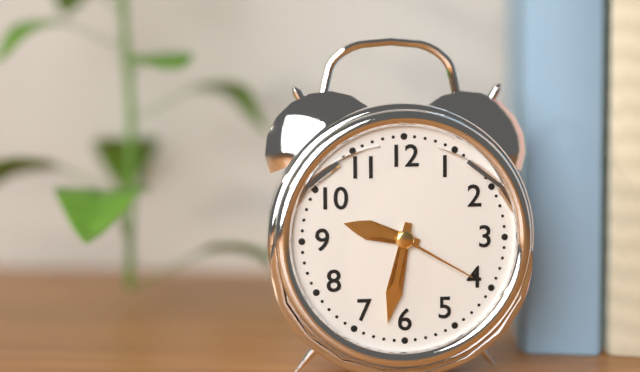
9:32:20
